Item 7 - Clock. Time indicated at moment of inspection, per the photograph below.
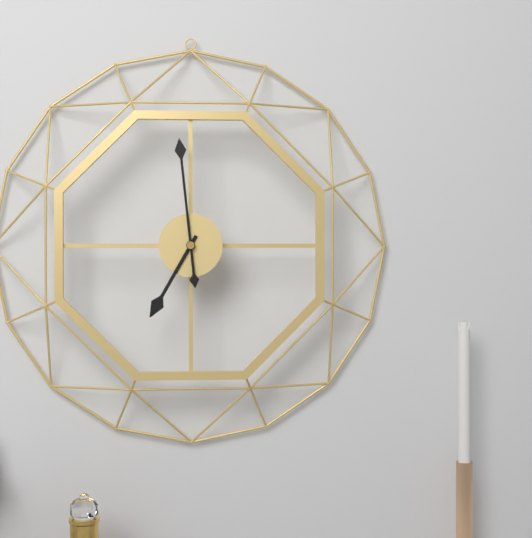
6:59
